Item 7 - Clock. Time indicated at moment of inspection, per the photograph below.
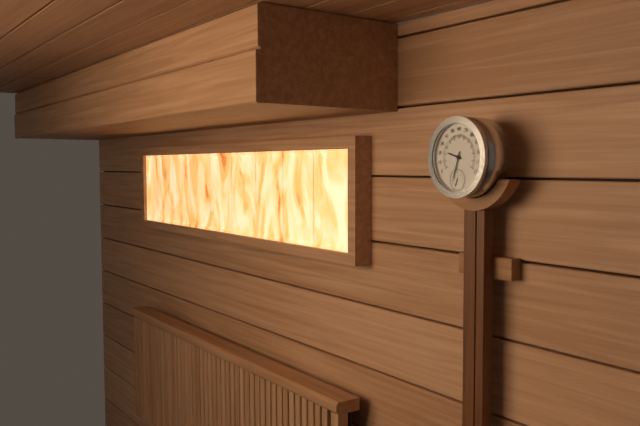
9:33
